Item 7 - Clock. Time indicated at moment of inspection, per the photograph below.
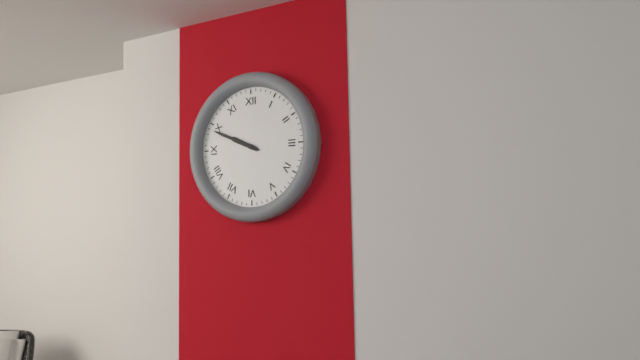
9:49
